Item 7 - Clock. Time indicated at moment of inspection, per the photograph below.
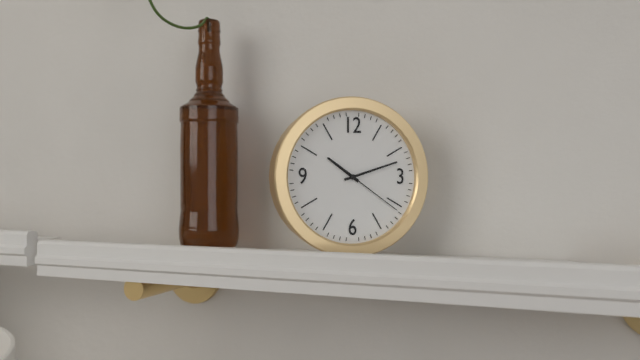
10:12:21
